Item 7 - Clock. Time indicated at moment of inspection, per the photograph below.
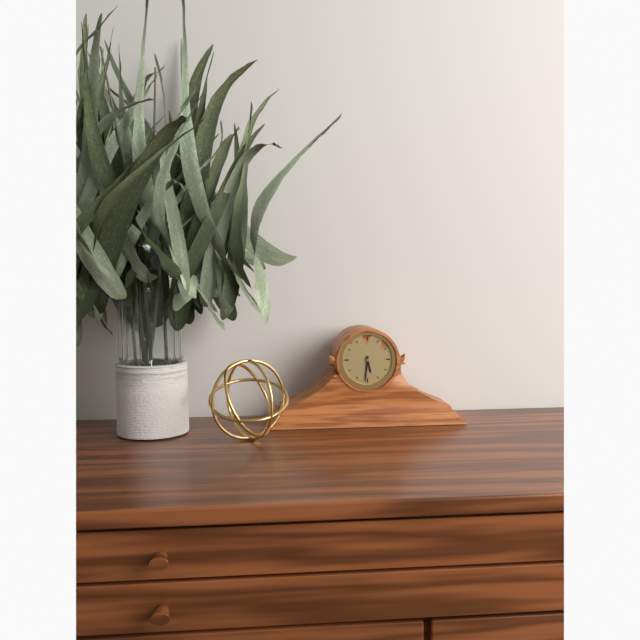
5:31
